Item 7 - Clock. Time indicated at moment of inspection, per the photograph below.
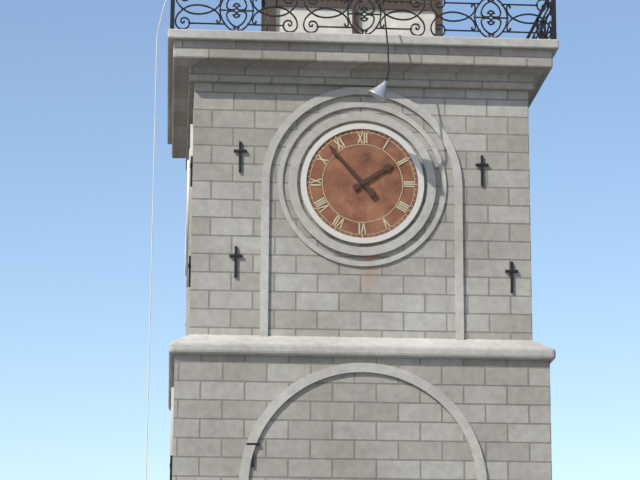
1:53
